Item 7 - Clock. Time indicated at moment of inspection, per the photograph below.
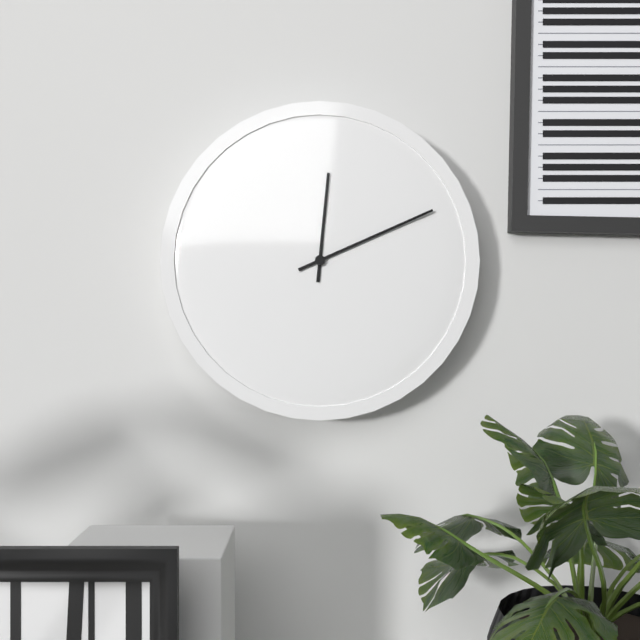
12:11
